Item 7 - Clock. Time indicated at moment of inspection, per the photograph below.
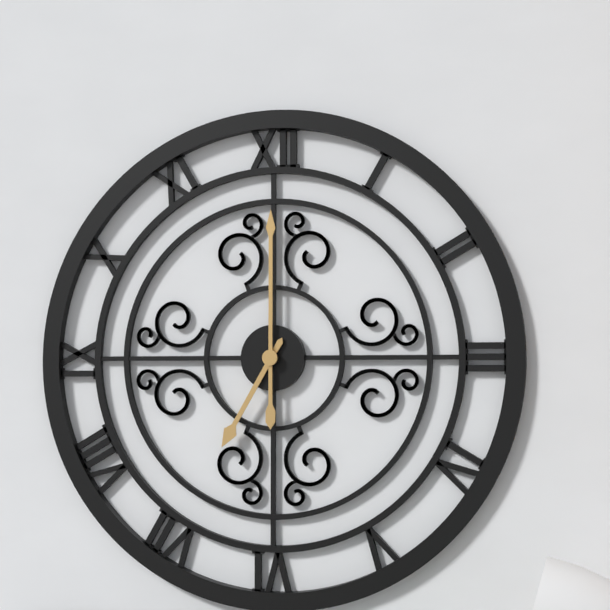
7:00
